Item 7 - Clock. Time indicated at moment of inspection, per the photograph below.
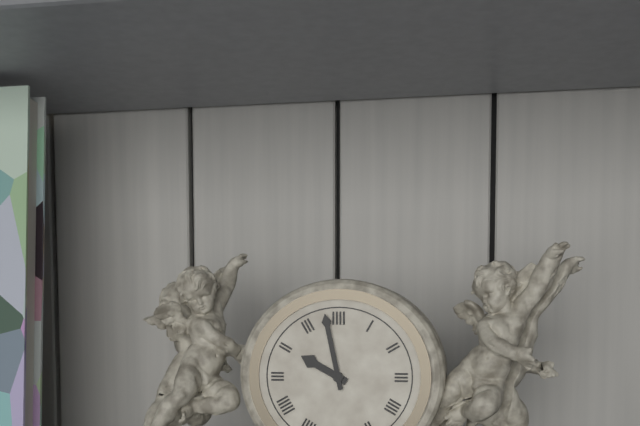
9:58
